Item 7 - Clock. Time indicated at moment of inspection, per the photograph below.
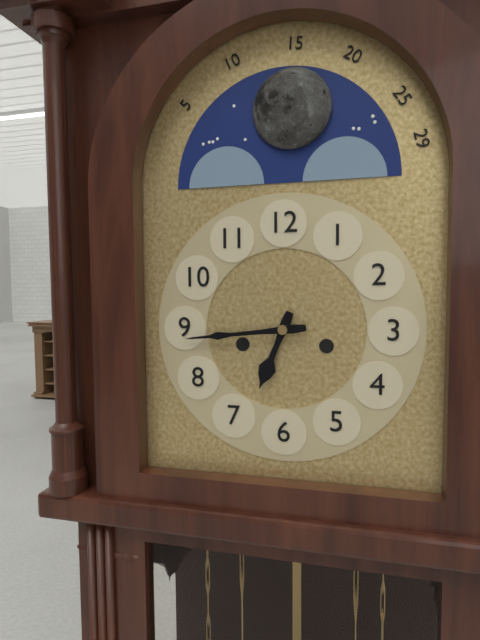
6:44
